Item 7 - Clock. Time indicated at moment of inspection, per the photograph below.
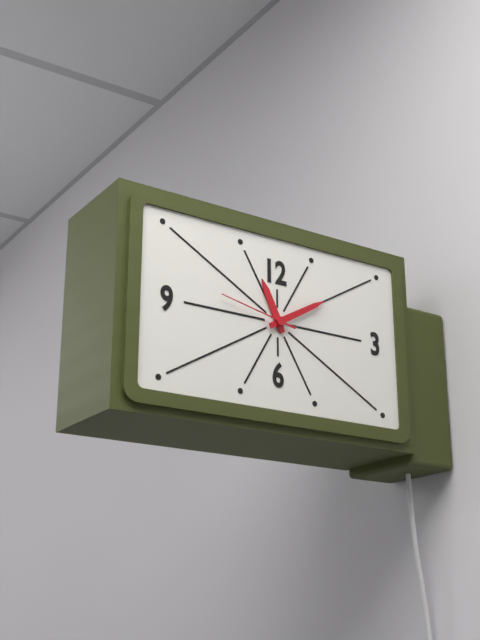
11:10:47
